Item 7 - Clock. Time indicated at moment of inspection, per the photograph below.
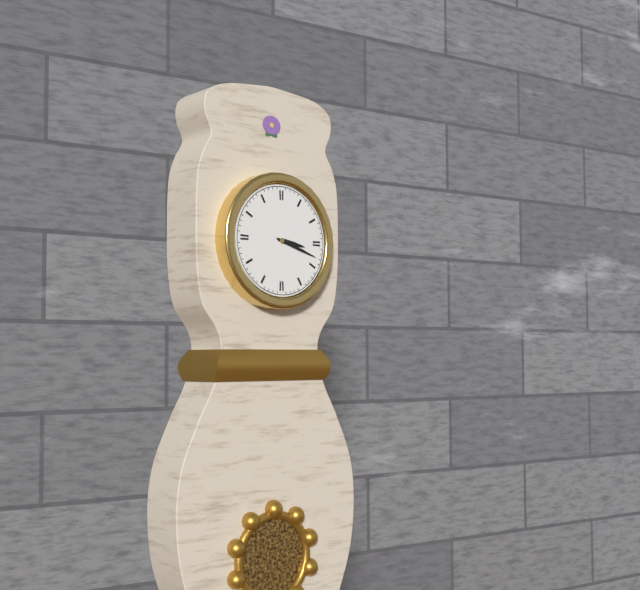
3:18
